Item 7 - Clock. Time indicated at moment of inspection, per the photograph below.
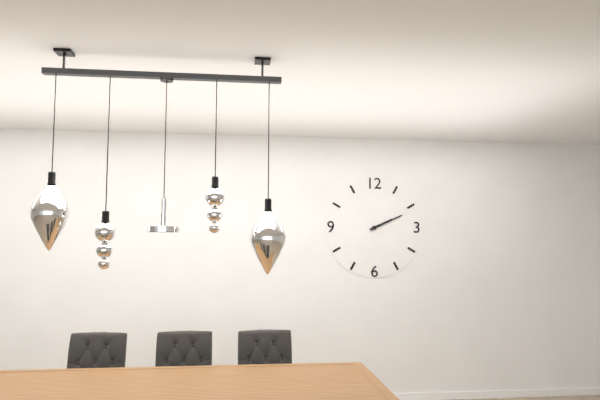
2:11
